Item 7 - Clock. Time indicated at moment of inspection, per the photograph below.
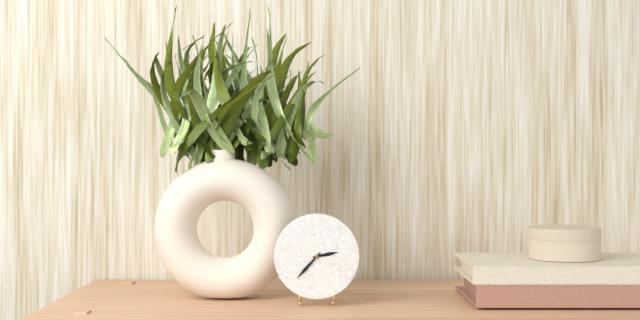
2:37
